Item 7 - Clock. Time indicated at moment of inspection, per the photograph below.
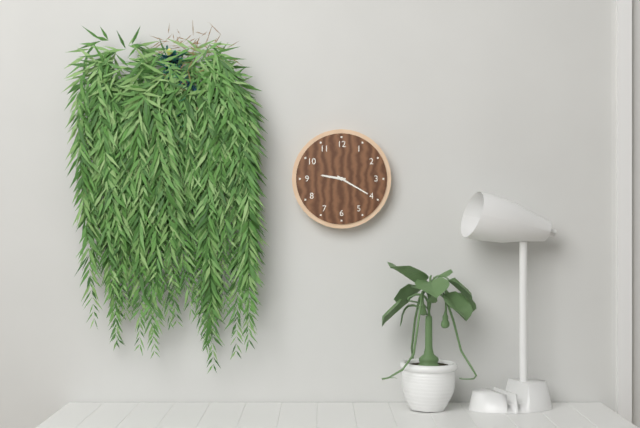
9:20
